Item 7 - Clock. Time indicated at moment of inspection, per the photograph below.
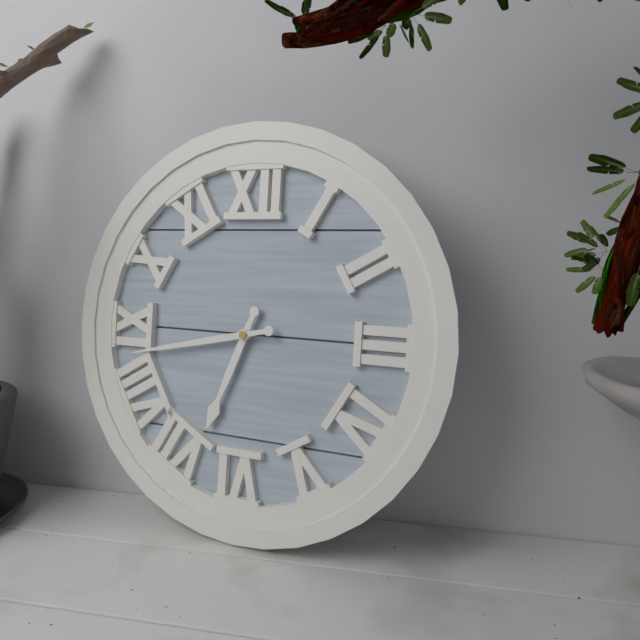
6:43
